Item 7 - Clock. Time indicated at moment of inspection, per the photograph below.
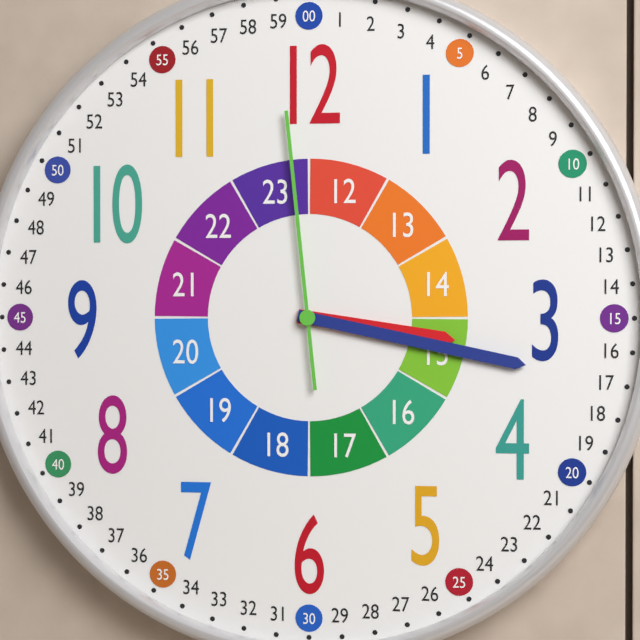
3:17:59
